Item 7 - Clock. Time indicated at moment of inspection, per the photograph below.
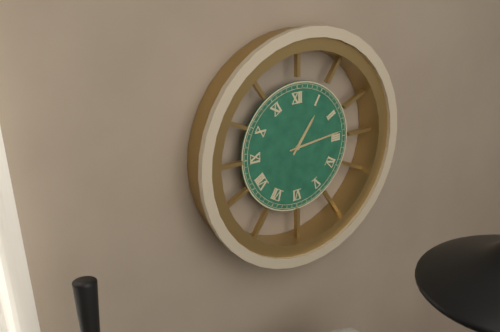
1:14
